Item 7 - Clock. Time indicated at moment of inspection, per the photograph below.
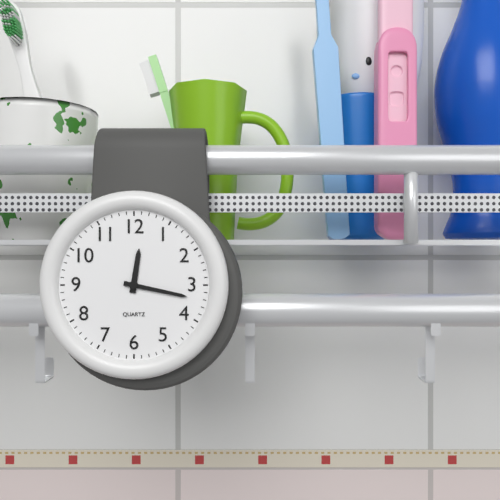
12:17
